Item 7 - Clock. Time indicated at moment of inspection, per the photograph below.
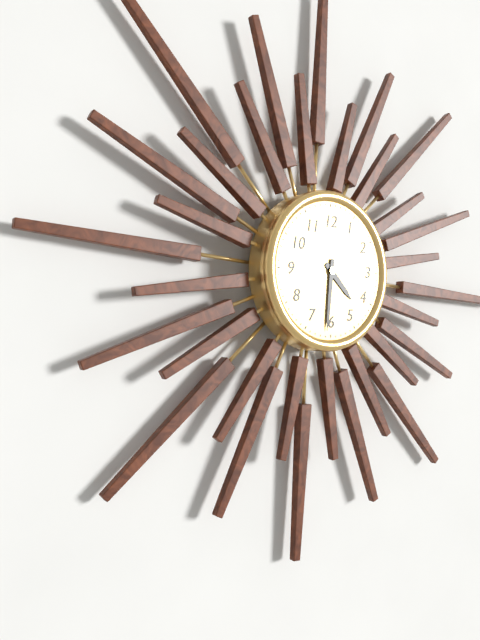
4:31
